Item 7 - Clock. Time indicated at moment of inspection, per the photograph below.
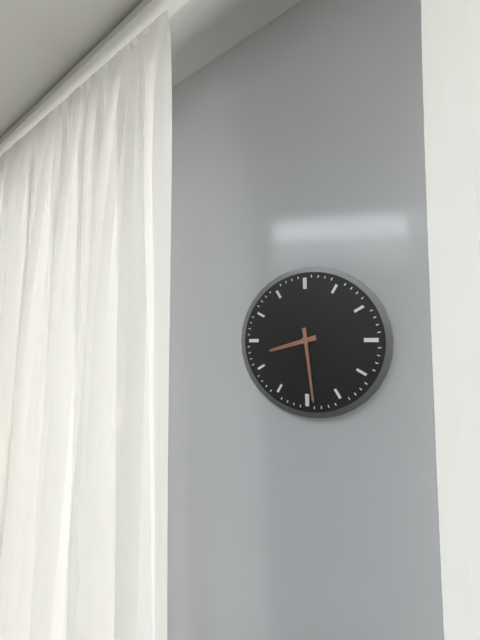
8:29
